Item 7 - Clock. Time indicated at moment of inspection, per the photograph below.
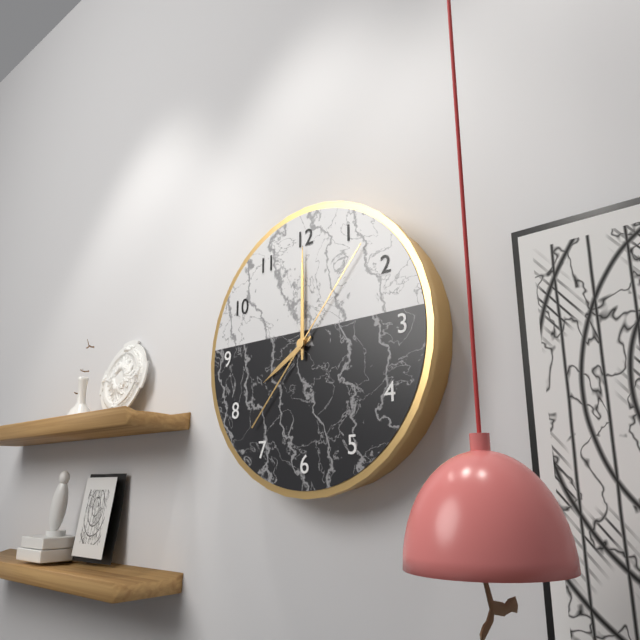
8:00:07
